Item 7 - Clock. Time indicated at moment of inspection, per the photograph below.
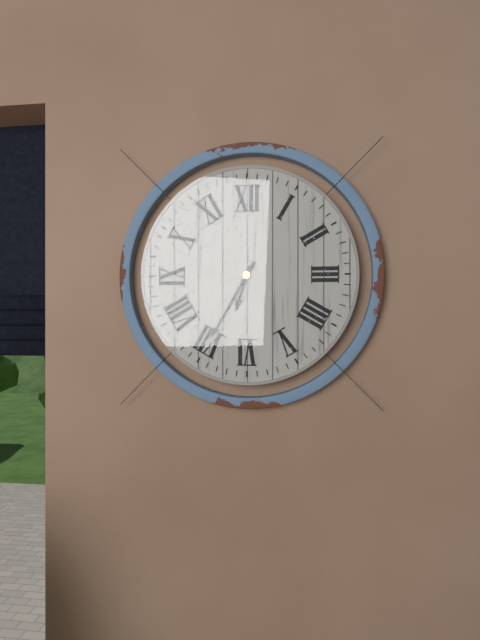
6:35
